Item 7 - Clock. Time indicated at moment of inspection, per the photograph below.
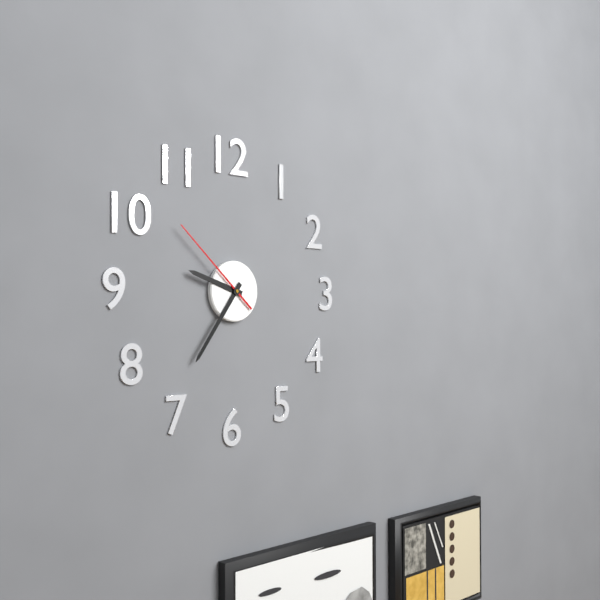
9:36:52
